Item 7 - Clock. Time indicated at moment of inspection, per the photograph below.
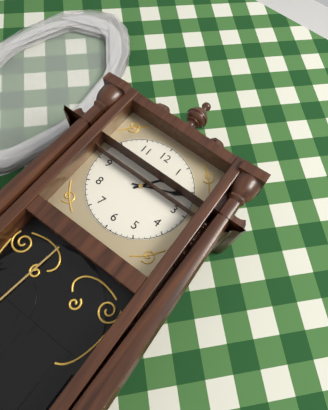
1:11
